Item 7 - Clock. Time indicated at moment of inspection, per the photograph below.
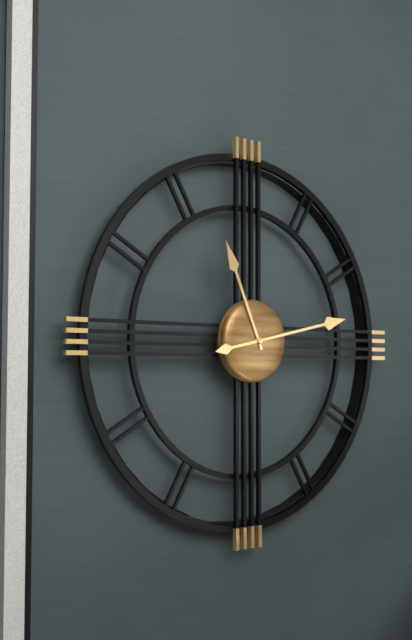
11:13
